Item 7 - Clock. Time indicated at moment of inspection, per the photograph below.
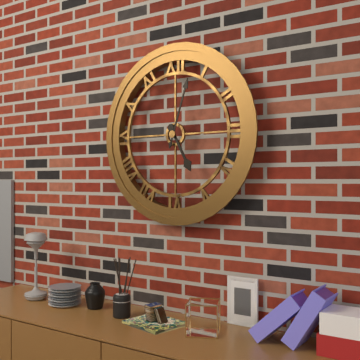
5:03
